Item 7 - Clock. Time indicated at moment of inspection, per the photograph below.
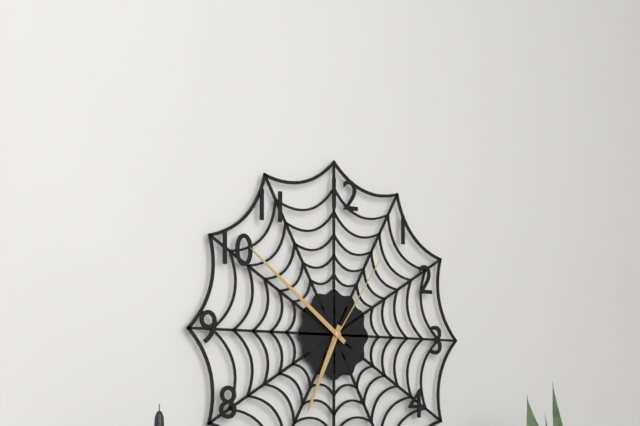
6:51:06
